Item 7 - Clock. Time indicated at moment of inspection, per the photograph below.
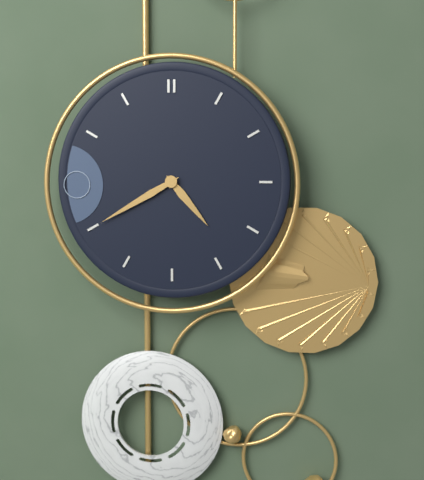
4:40
